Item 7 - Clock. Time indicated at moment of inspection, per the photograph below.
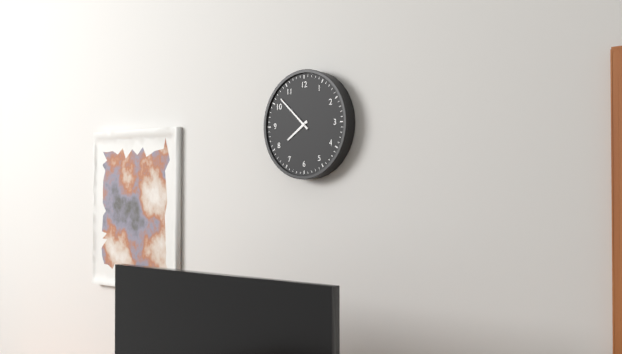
7:52
